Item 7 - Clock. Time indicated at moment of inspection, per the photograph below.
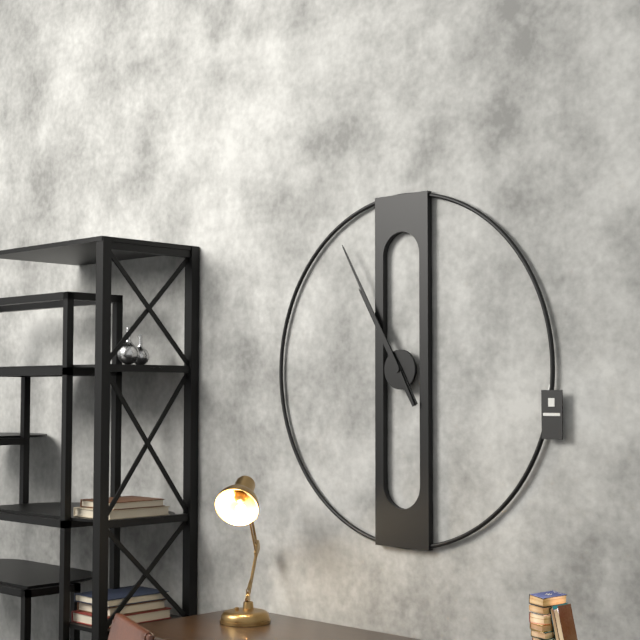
10:55
